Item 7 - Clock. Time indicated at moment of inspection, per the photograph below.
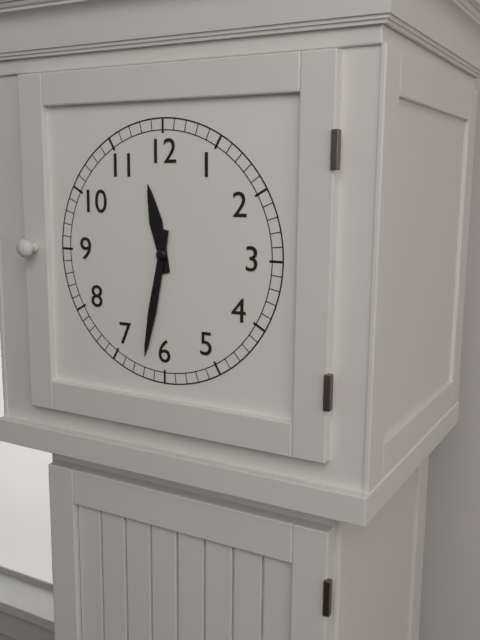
11:32
